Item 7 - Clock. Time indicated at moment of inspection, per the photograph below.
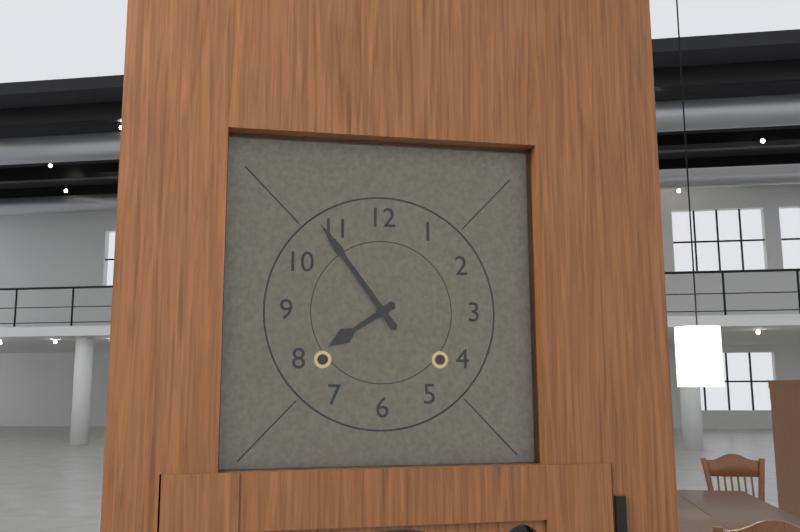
7:54
